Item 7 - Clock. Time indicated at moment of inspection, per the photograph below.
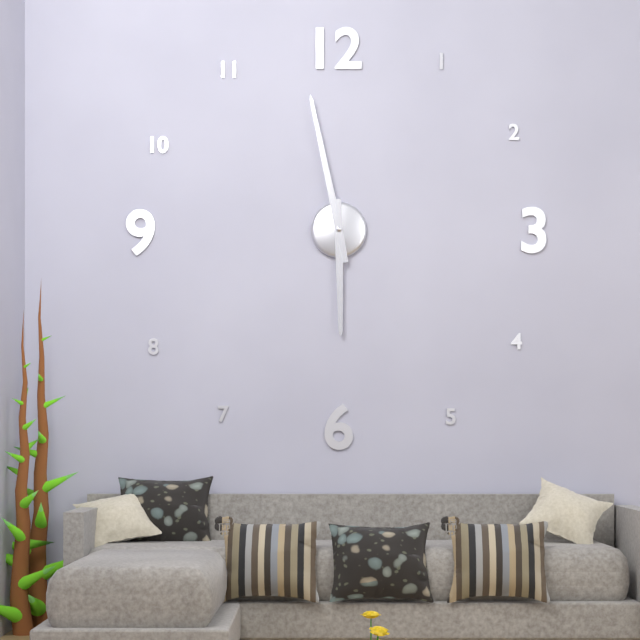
5:58
